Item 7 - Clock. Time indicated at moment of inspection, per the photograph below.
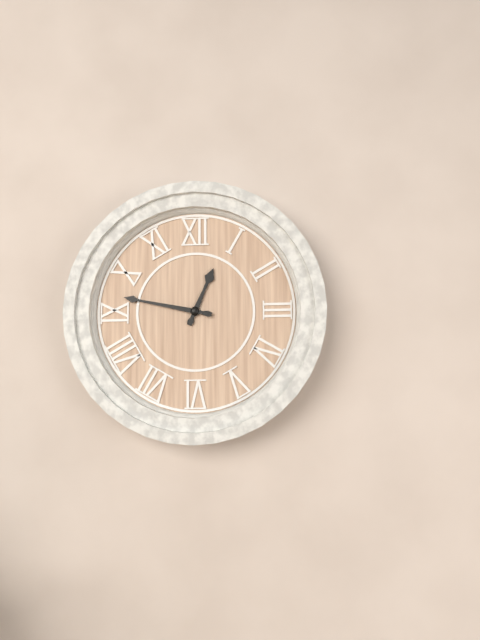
12:47
